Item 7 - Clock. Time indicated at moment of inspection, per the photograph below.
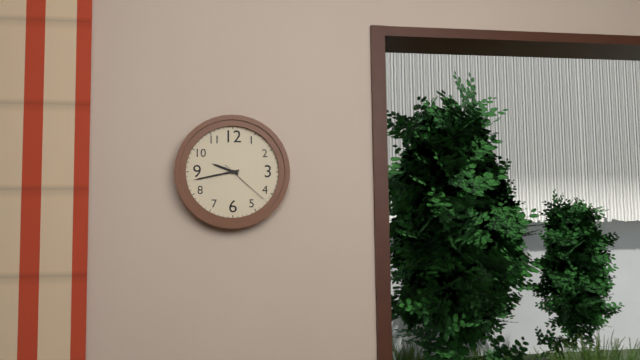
9:43:22
